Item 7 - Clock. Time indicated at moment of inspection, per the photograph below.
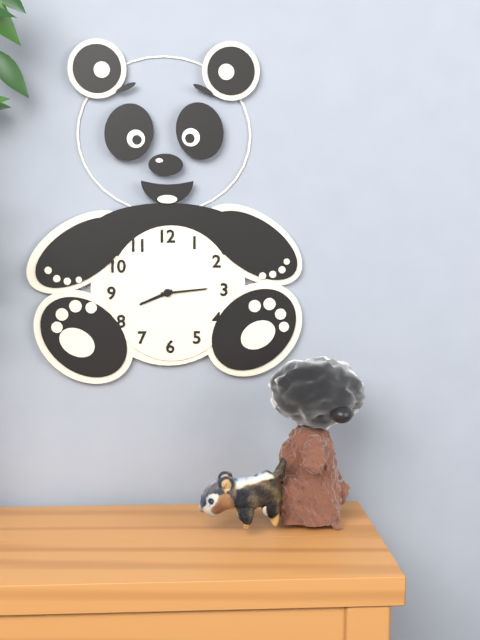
8:14
